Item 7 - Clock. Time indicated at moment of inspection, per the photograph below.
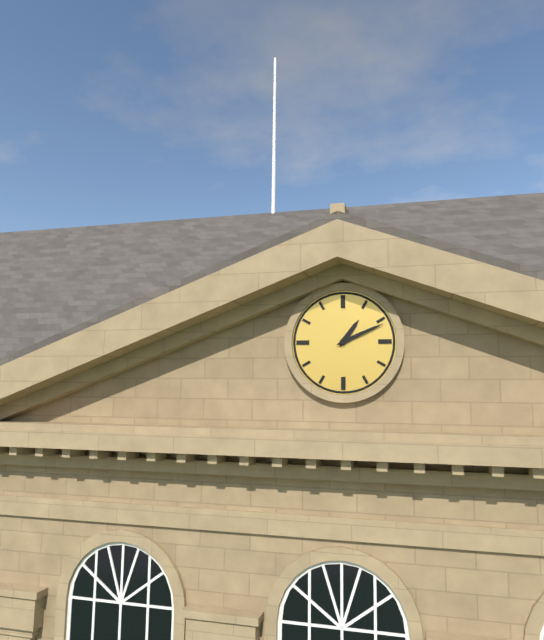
1:11
